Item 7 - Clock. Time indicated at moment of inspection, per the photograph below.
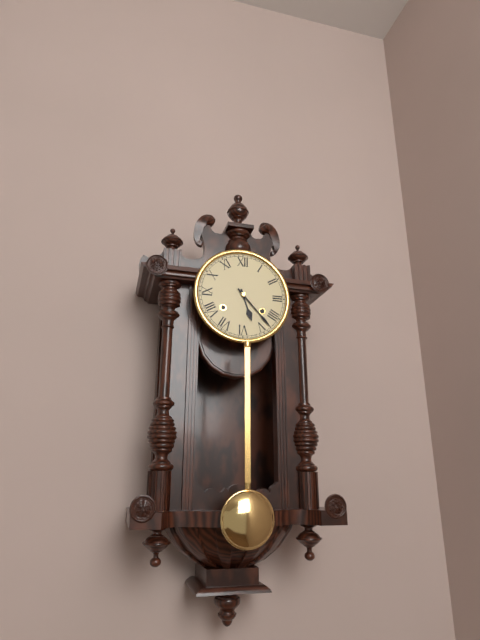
5:23
